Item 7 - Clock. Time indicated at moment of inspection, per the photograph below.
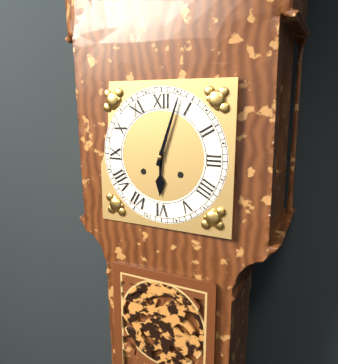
6:03
